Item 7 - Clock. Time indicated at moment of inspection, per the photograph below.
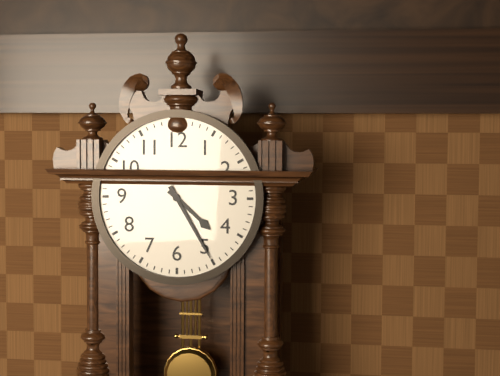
4:25
